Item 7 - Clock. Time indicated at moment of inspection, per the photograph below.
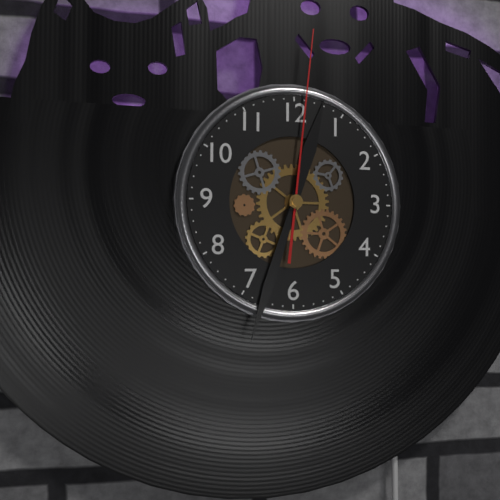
12:33:01
